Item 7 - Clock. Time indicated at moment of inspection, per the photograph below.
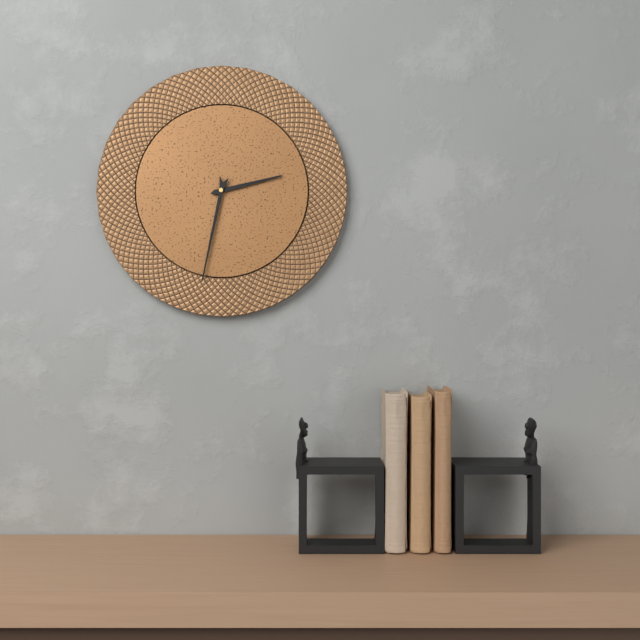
2:32
